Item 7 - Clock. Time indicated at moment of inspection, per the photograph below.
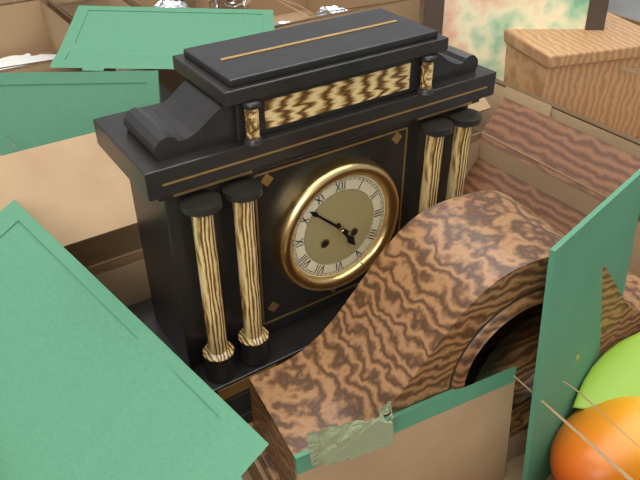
4:52
